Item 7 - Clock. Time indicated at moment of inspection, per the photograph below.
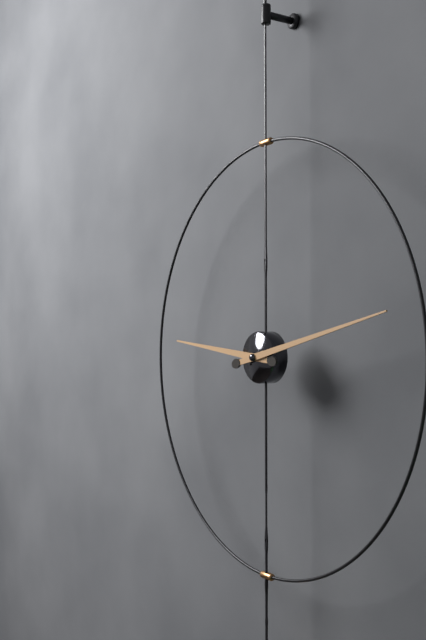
9:13
